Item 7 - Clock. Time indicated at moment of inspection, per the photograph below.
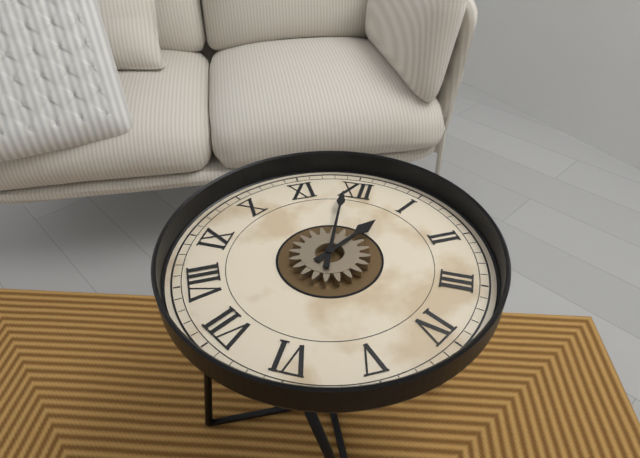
12:59
